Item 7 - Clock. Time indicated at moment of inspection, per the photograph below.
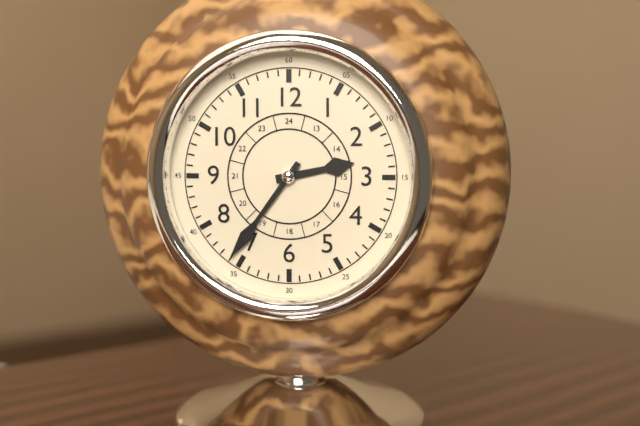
2:36
